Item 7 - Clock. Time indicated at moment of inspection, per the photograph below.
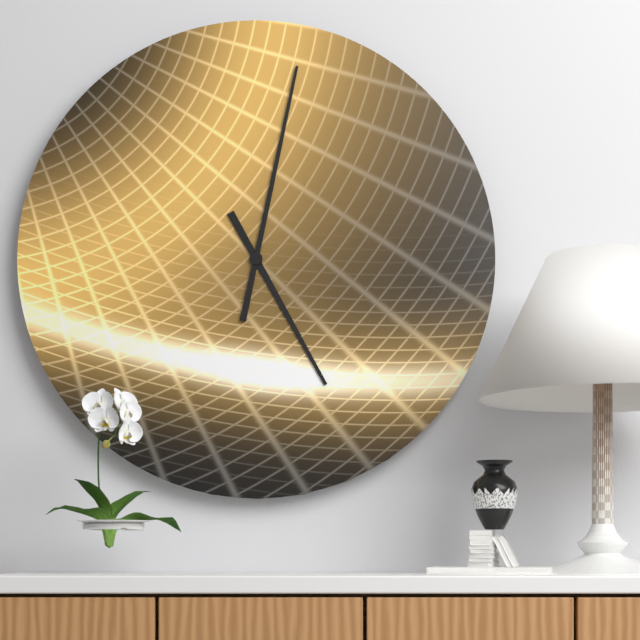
5:02
